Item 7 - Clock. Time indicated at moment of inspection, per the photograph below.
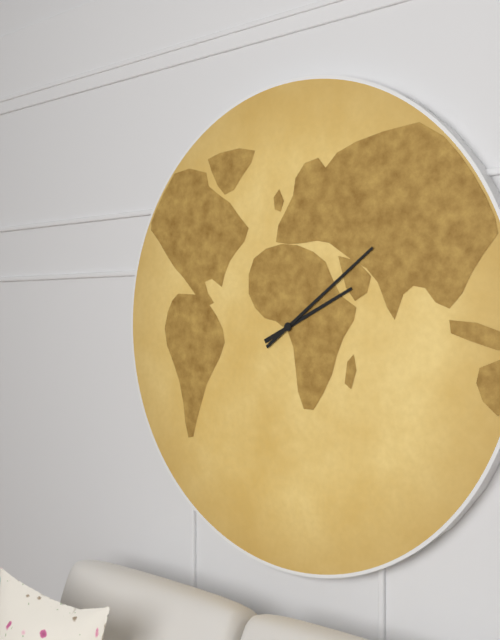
2:09
